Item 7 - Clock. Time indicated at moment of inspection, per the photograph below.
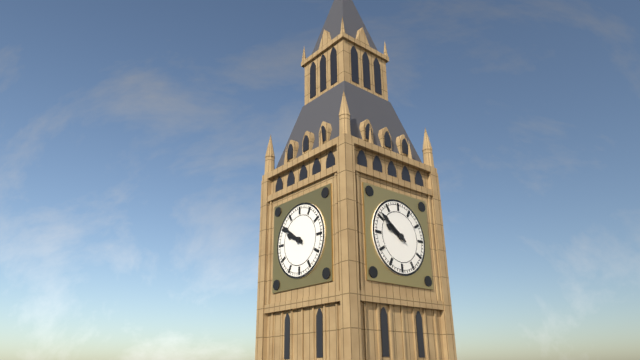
9:51
